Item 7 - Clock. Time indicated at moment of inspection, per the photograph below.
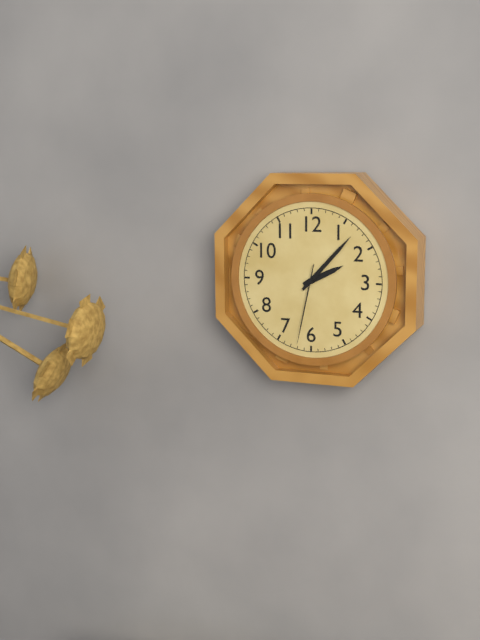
2:07:32
